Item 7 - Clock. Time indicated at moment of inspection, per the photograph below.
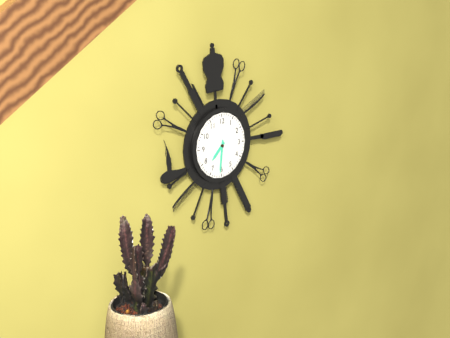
7:31
